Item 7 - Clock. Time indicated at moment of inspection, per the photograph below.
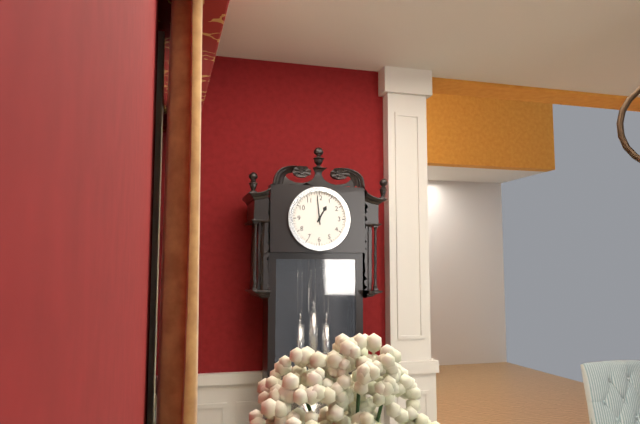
12:59
